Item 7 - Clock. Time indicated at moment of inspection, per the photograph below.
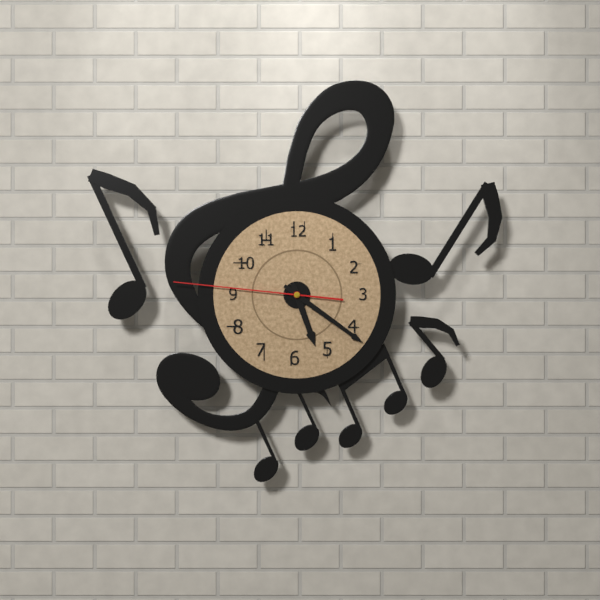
5:21:46
